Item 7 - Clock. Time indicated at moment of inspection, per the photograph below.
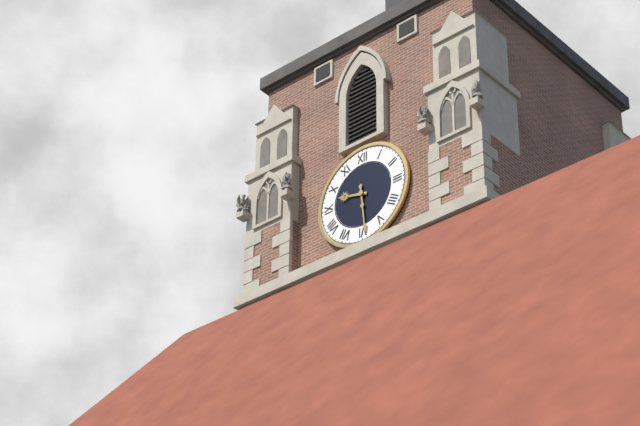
9:29
